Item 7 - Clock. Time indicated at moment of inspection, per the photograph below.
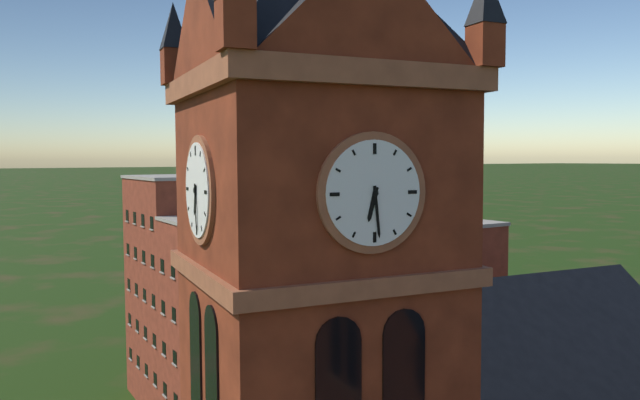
6:29
